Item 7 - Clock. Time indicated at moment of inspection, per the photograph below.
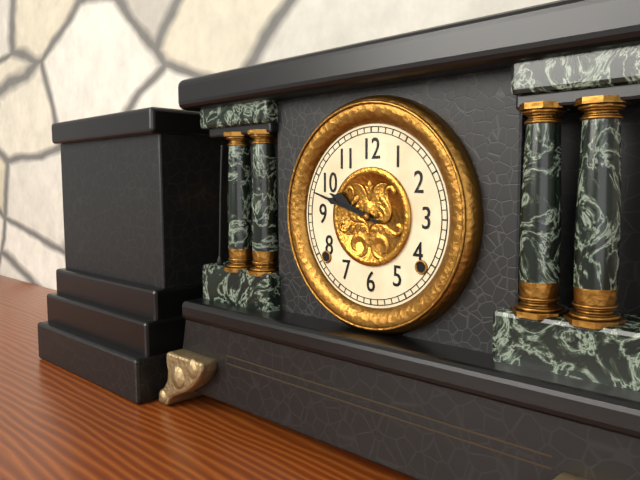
9:48
